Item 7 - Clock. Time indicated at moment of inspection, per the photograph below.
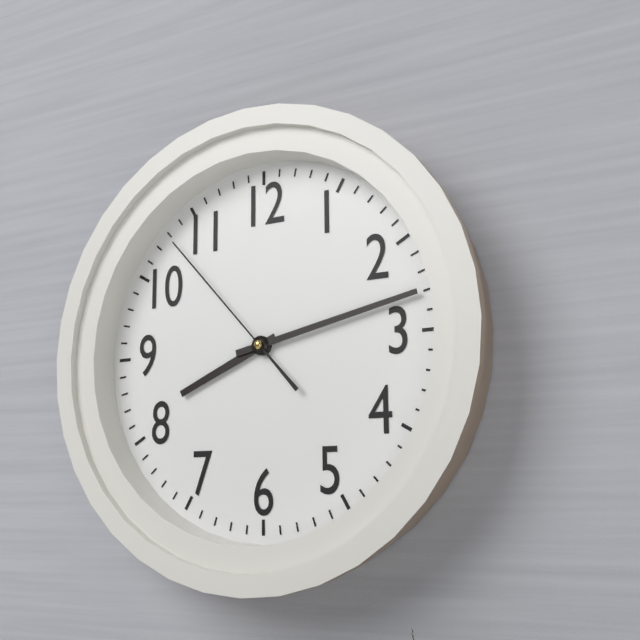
8:13:53
